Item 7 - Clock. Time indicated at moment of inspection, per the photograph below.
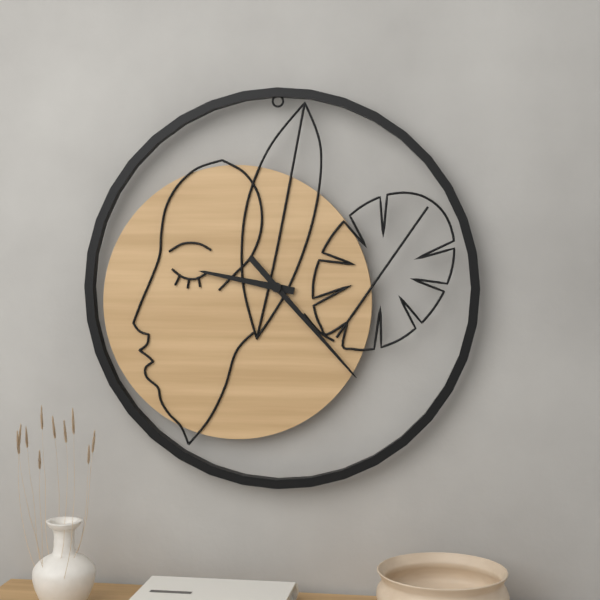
9:23
